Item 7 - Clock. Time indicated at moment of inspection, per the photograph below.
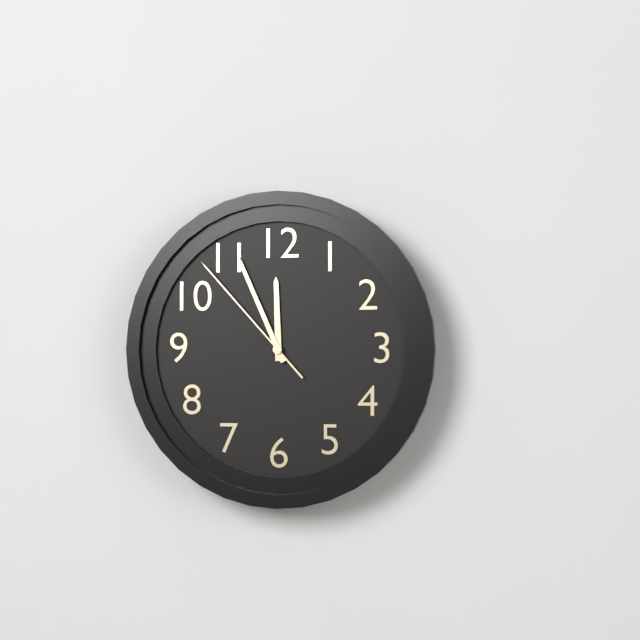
11:56:53
